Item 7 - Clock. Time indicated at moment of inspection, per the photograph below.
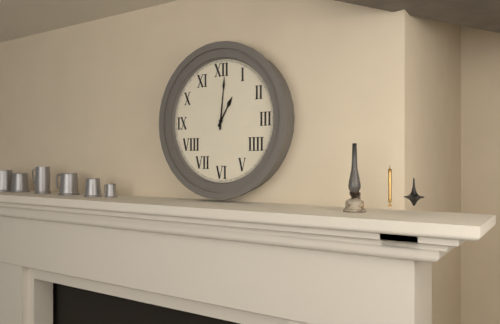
1:01
